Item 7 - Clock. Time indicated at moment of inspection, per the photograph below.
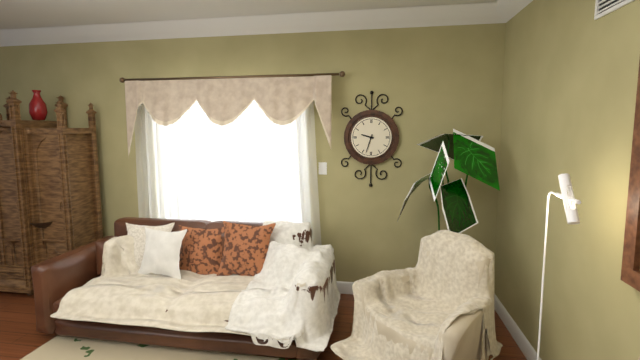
9:33
